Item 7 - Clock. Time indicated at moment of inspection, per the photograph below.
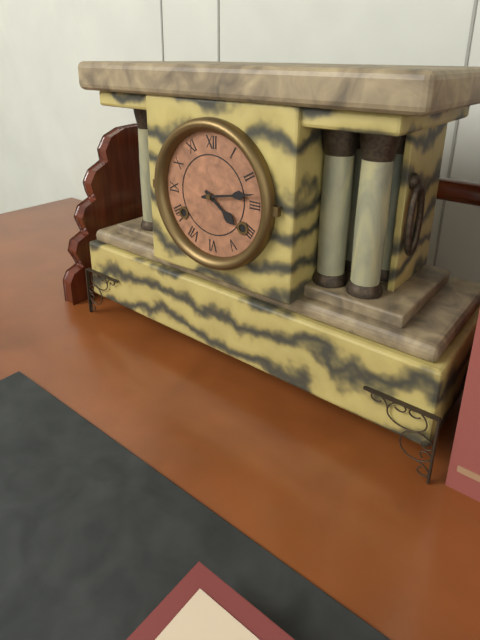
4:13
